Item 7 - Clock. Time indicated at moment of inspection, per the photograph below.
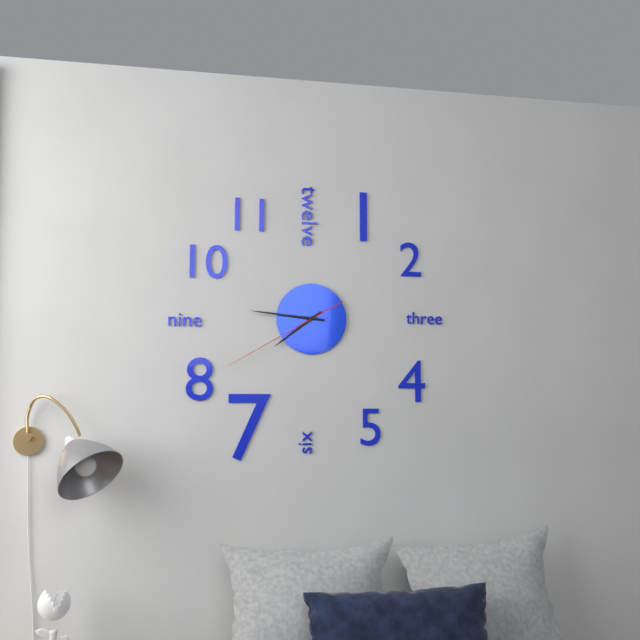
7:46:40
